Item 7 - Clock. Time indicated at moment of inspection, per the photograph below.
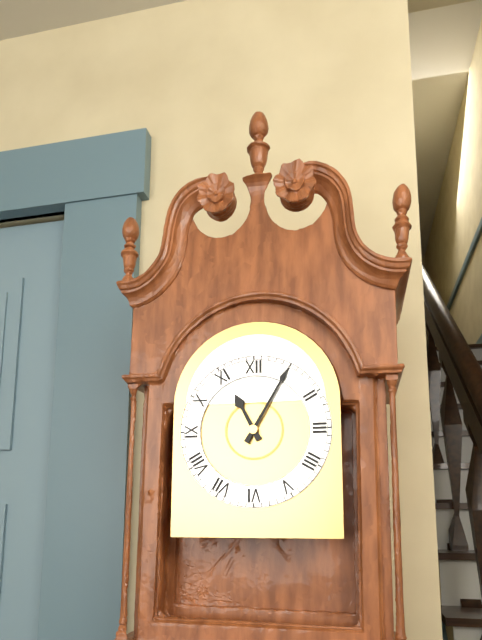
11:05
